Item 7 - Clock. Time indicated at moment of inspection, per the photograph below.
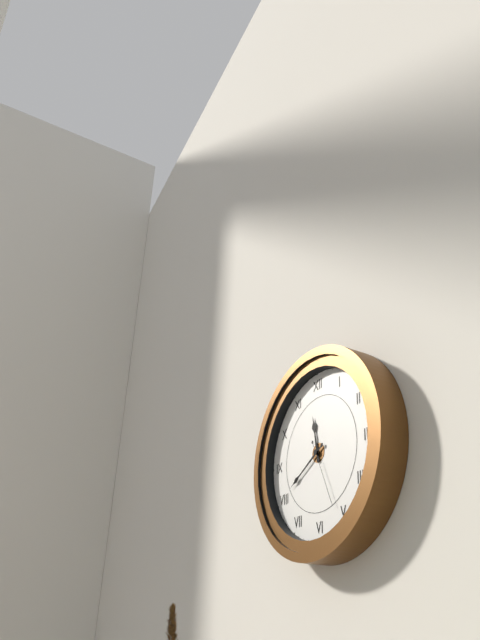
11:40:26
